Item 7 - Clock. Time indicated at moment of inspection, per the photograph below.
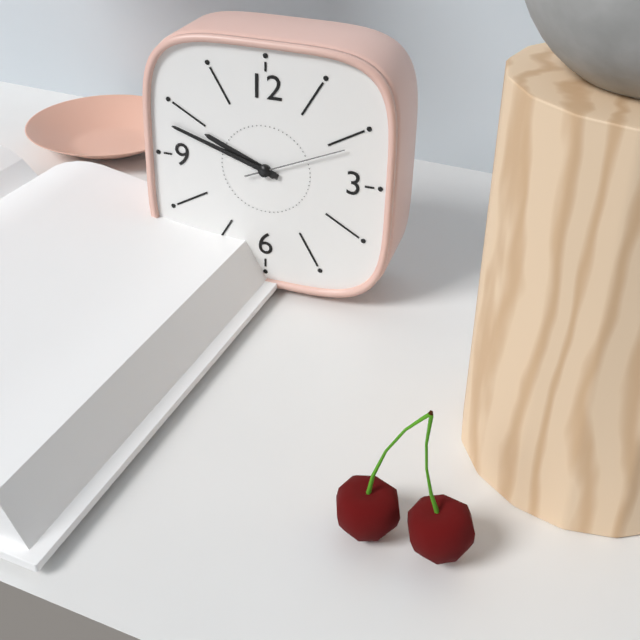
9:48:11
